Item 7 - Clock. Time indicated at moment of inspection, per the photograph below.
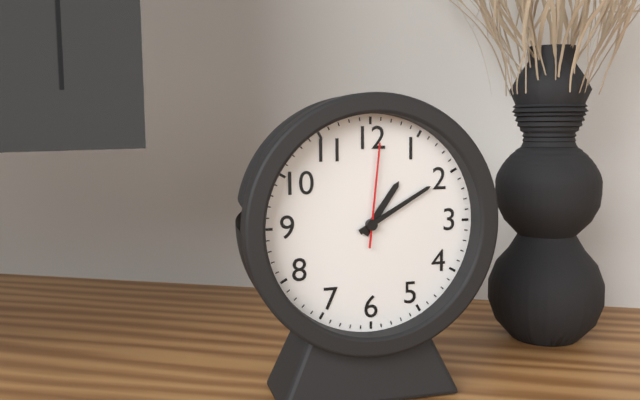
1:10:01
